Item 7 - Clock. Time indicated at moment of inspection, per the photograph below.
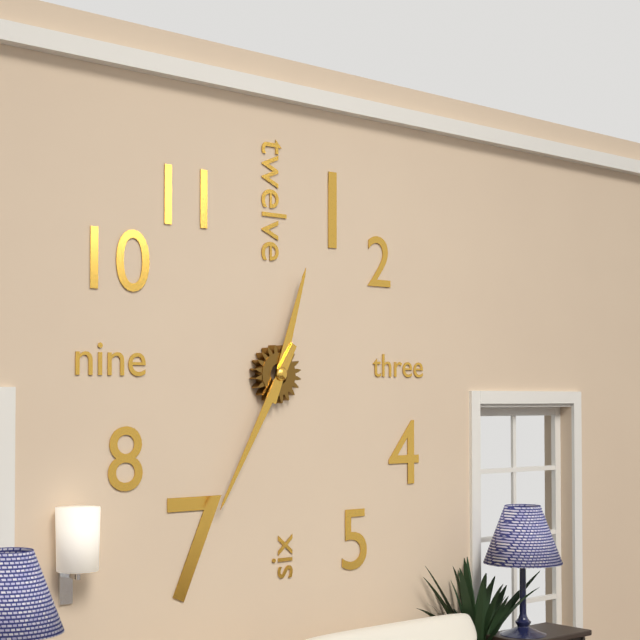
12:35
